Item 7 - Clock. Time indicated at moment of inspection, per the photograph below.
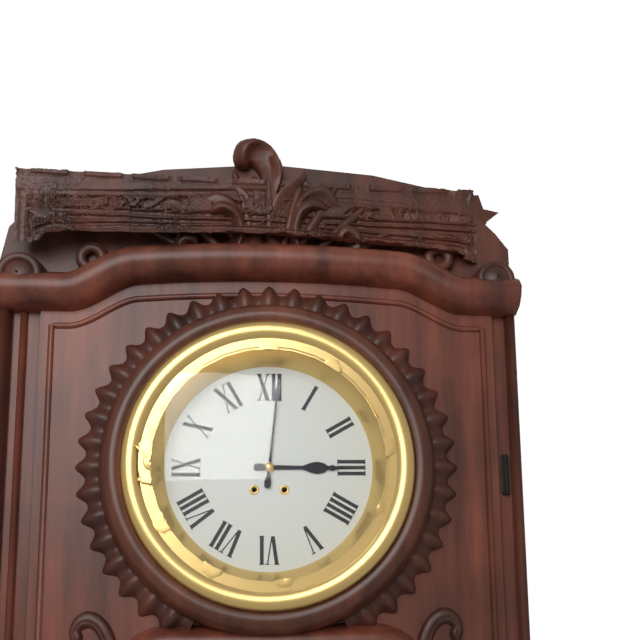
3:01
